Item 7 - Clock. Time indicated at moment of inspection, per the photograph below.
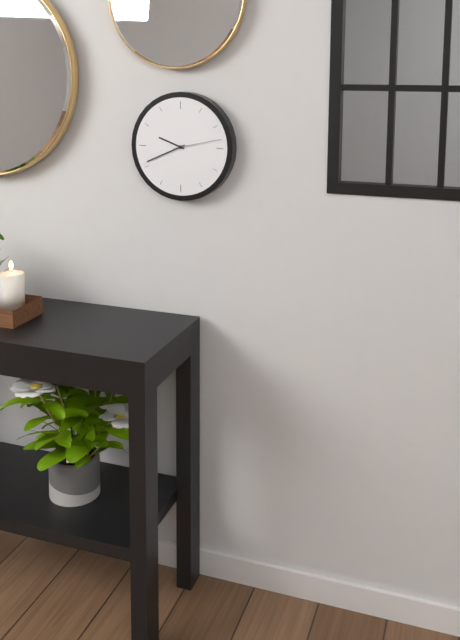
9:41:13
